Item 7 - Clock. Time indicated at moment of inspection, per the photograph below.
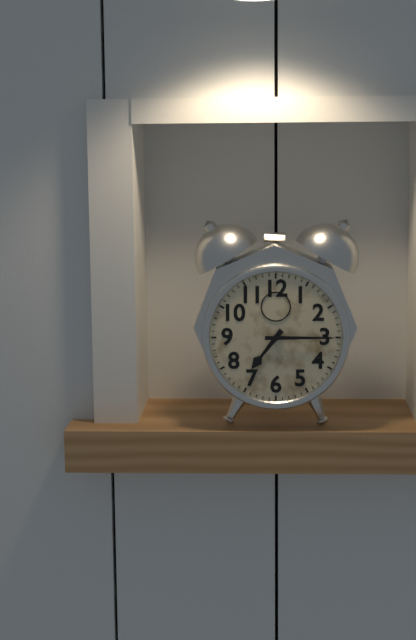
7:15
